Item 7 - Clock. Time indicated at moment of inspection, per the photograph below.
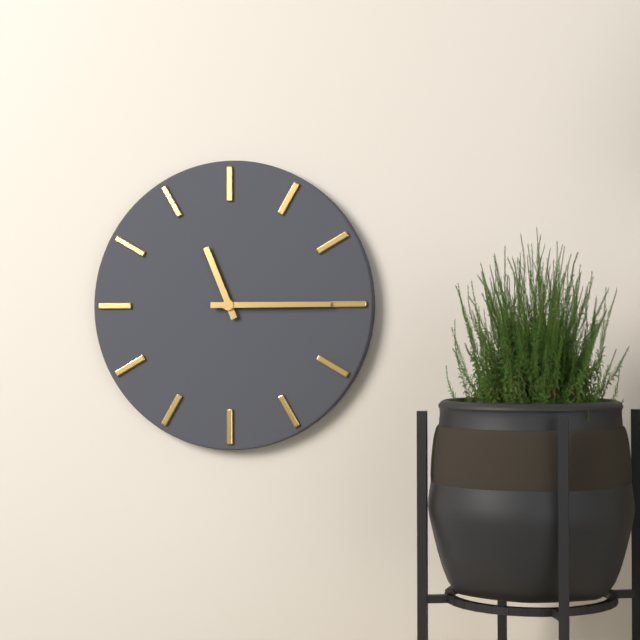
11:15
